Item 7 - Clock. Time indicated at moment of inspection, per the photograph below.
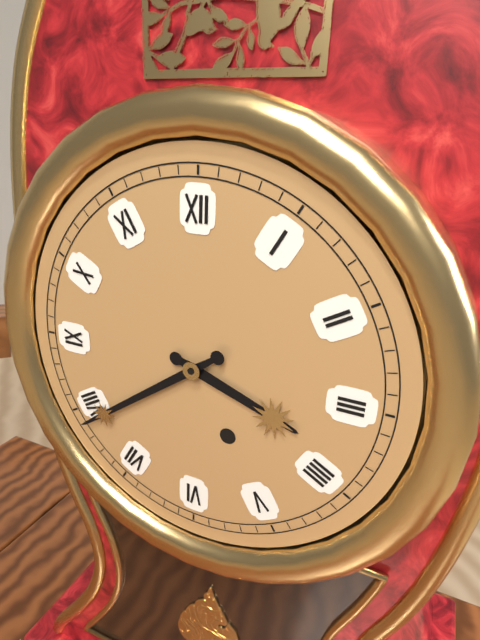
3:39
